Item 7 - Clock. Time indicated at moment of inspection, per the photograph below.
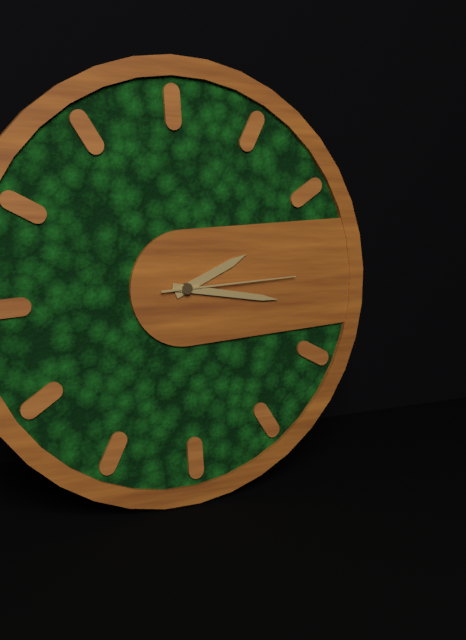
2:17:15
